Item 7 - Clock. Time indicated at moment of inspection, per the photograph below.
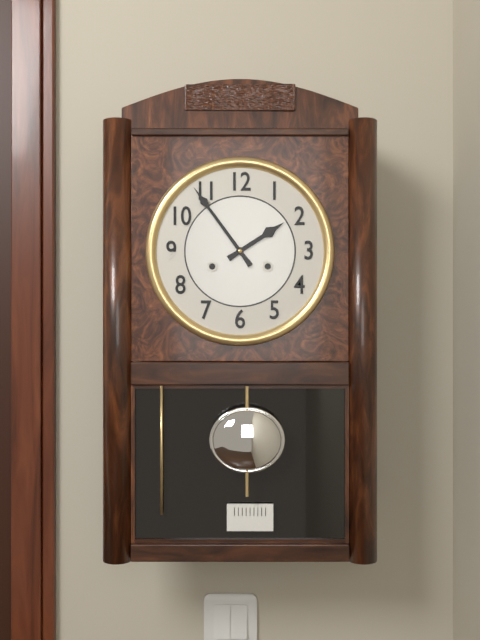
1:54
